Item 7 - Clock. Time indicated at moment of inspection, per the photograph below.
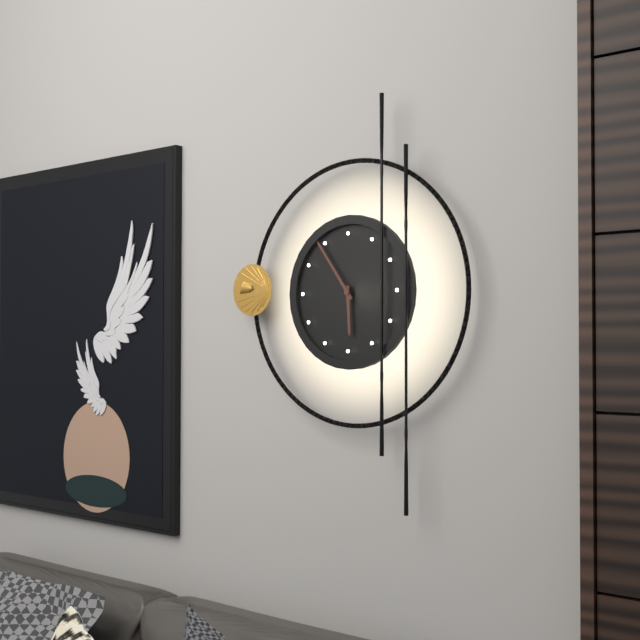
5:54
